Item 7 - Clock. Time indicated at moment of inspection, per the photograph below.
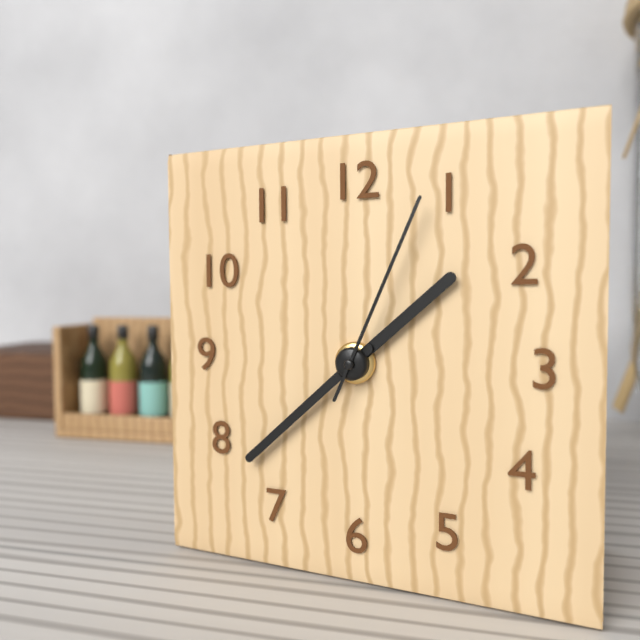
1:38:04
